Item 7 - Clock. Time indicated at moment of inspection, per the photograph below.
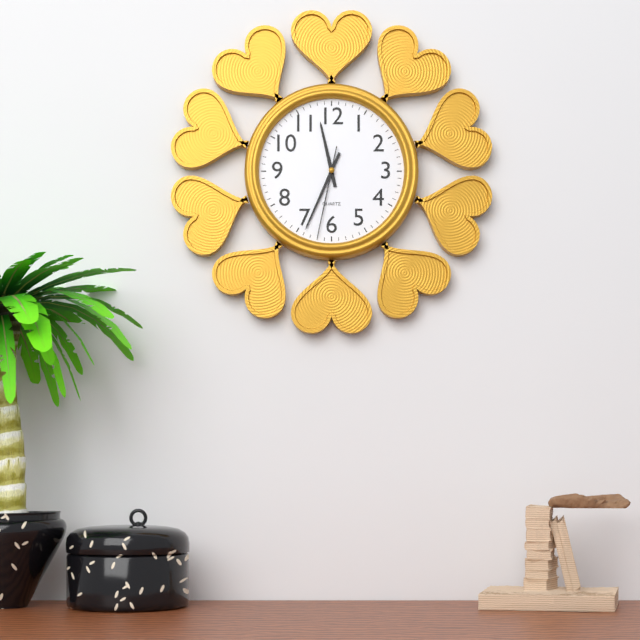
11:34:32
